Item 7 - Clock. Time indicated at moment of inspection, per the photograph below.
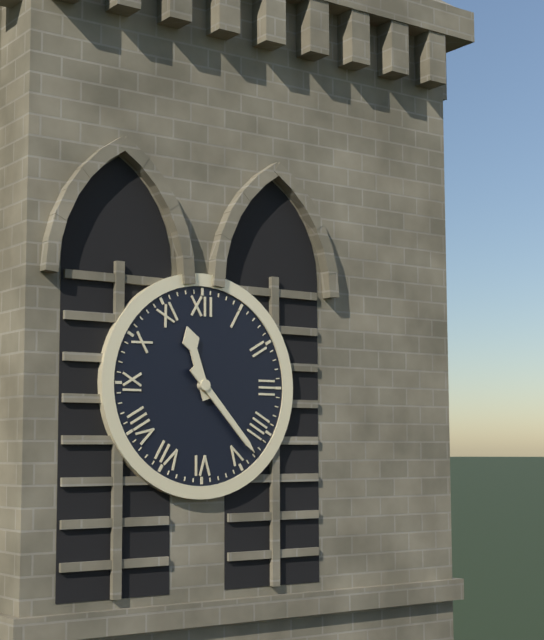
11:23
